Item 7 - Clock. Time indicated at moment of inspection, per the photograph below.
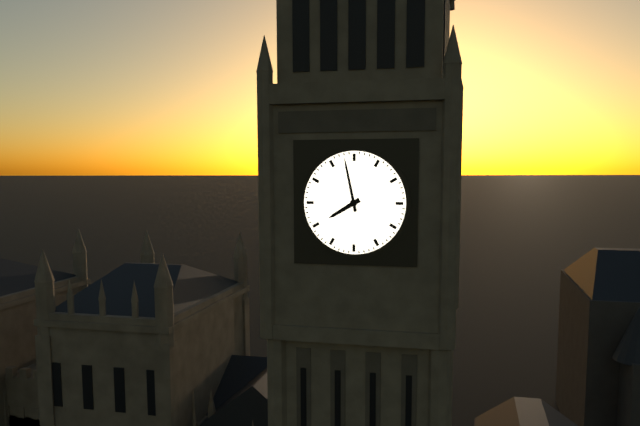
7:58
